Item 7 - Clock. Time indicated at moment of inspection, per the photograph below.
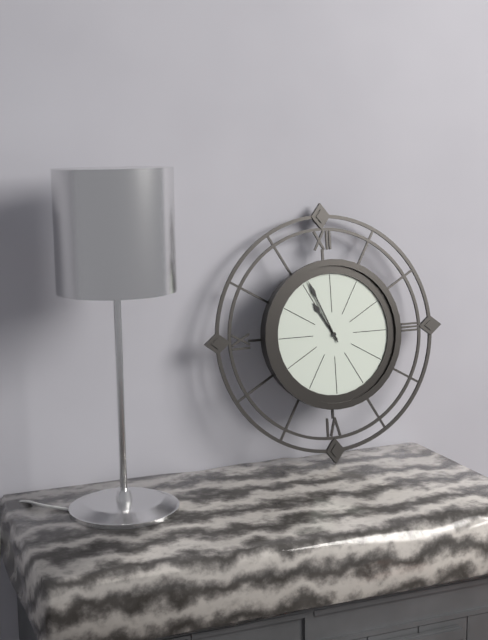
10:56
